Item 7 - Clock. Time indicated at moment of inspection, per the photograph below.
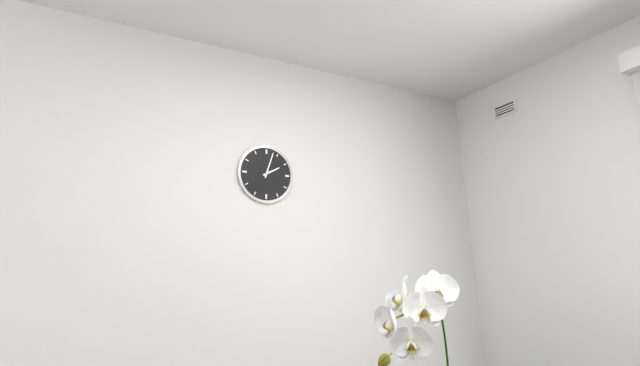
2:03
